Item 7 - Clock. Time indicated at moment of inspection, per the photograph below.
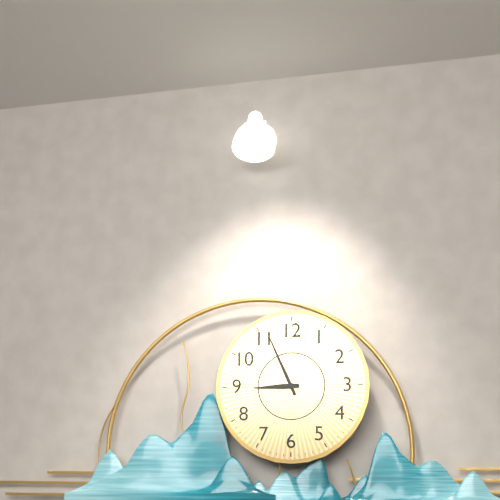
8:56
